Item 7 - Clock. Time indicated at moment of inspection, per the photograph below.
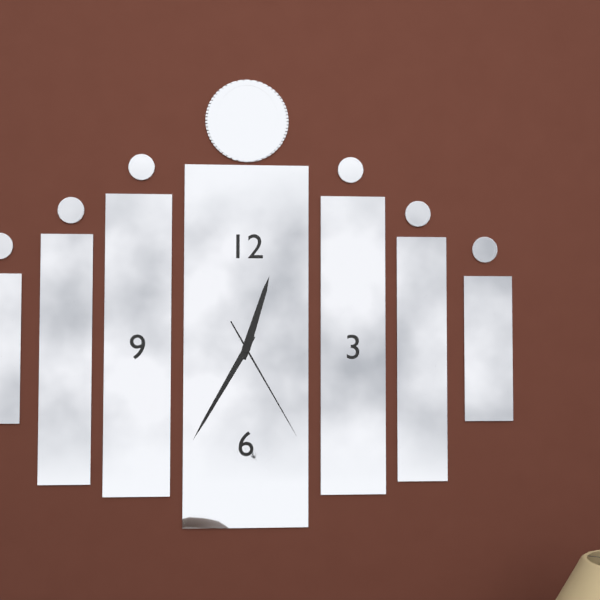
12:35:25
